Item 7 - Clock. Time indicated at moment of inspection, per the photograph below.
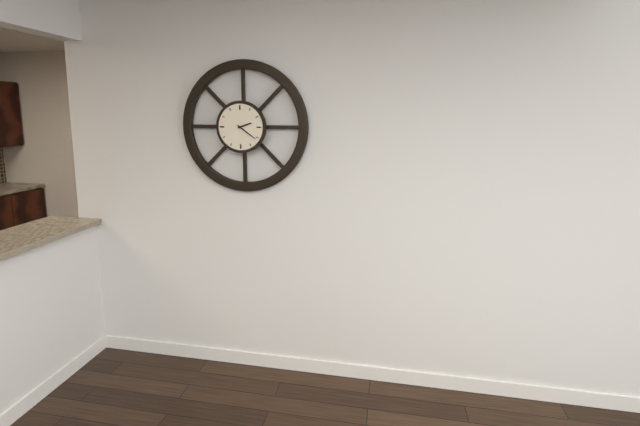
2:21
